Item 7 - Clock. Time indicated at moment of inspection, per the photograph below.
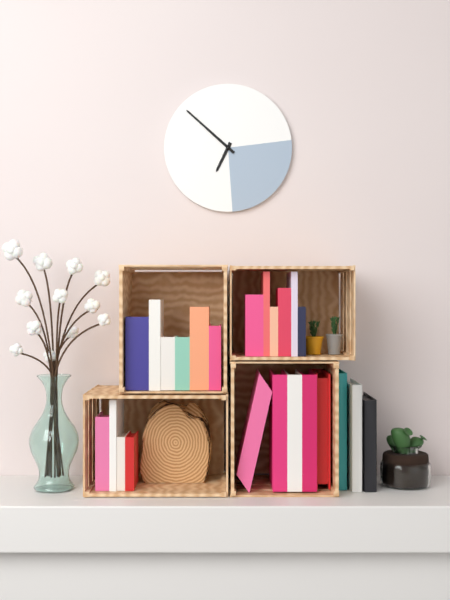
6:52
